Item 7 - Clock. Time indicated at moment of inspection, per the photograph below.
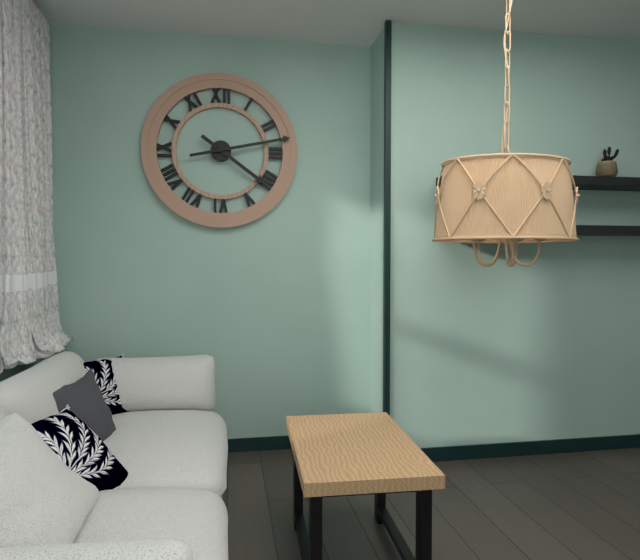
4:13
